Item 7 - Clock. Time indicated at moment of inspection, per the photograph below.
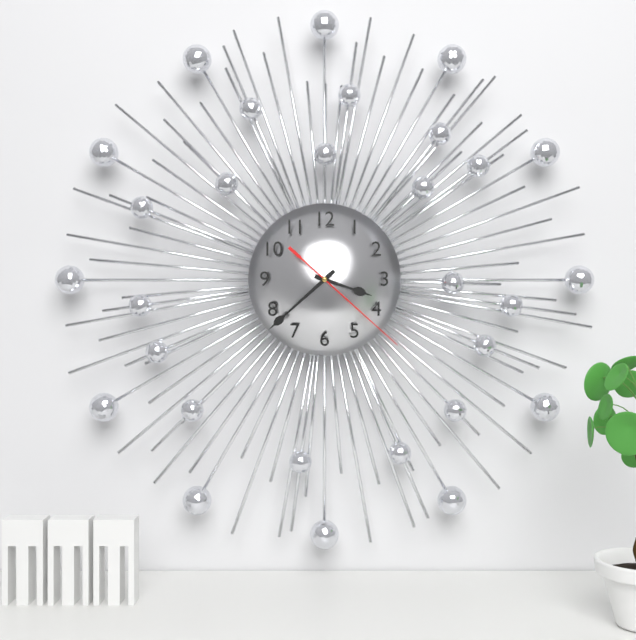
3:38:22
